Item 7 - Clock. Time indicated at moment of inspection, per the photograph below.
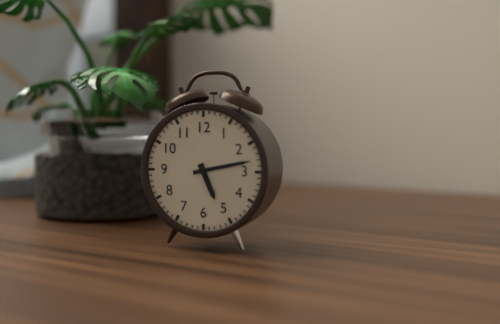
5:13
